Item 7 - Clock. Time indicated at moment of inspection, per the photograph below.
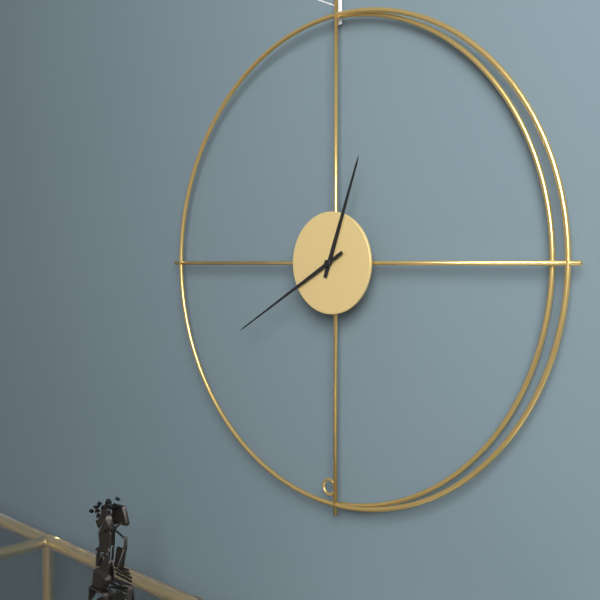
12:40
